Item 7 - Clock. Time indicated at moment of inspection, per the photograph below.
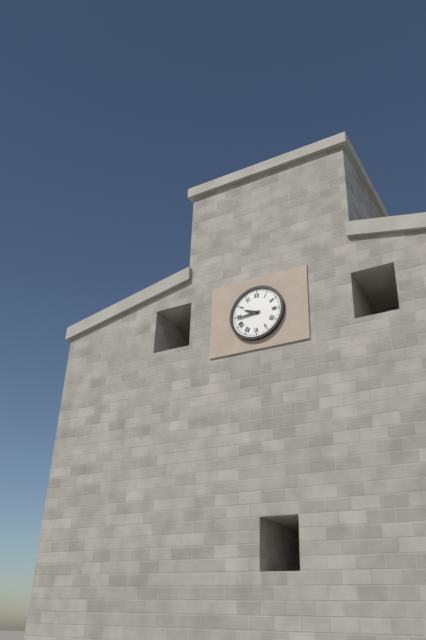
9:44
